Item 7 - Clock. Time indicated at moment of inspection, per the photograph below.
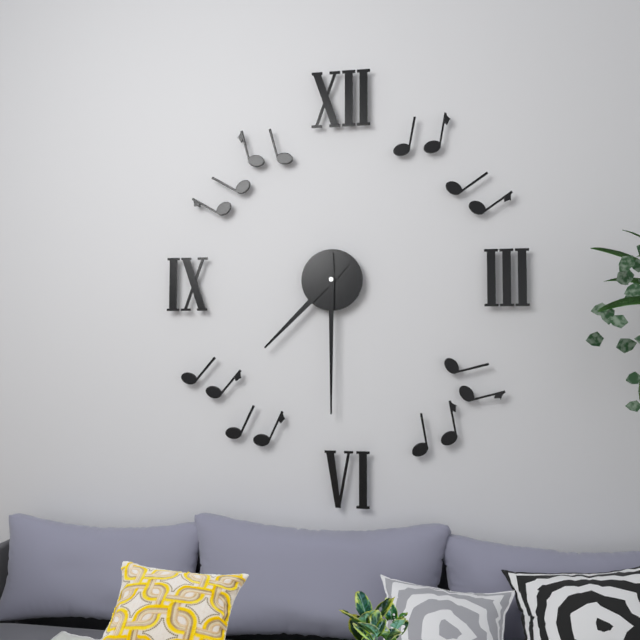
7:30
